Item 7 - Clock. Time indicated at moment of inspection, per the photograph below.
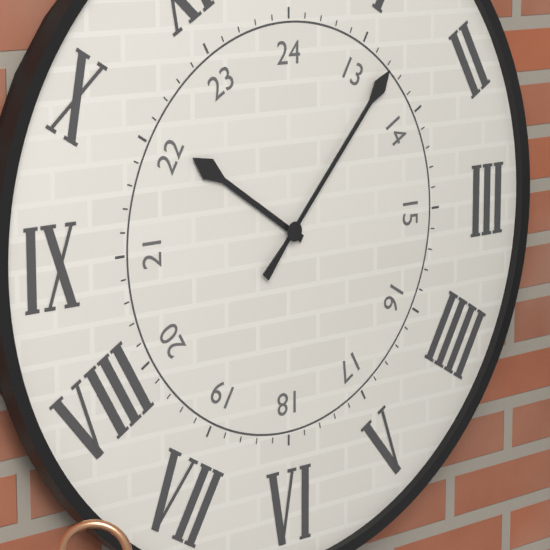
10:07
